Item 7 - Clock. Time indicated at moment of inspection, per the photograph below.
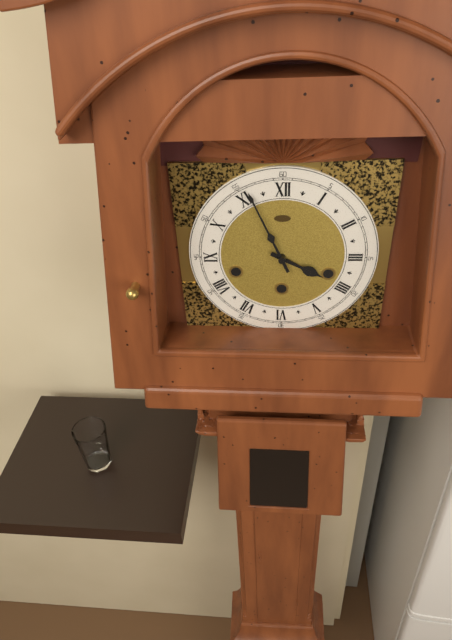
3:56
